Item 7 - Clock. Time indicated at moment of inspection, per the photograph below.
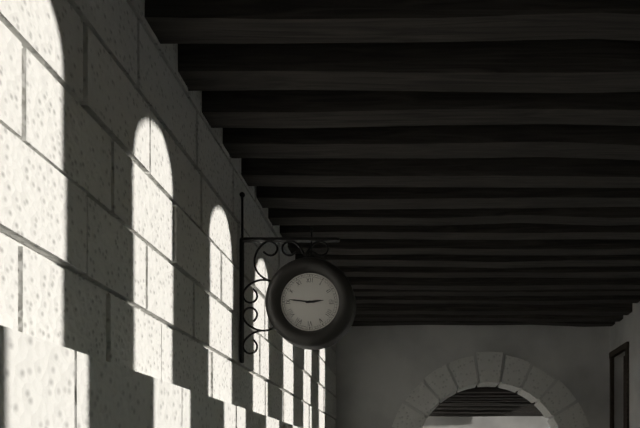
2:46
